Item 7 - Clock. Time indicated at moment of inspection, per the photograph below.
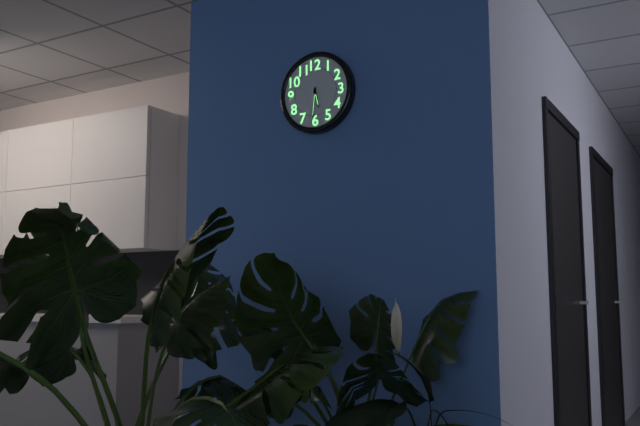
5:31
